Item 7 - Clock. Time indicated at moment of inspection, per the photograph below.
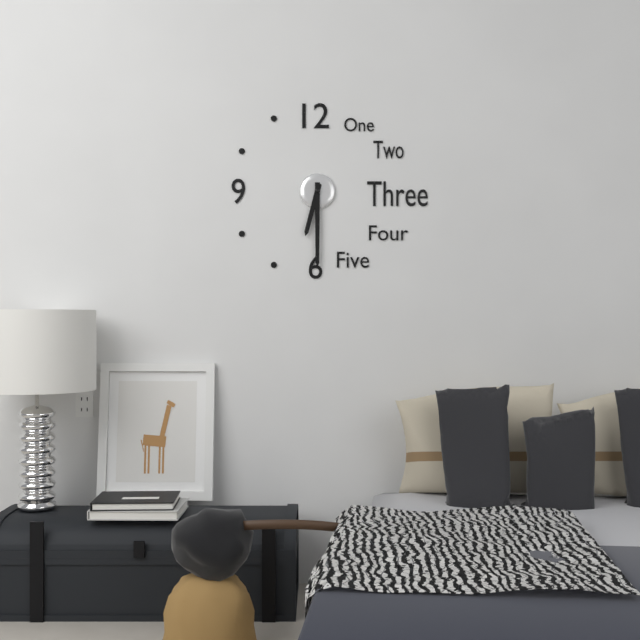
6:30
